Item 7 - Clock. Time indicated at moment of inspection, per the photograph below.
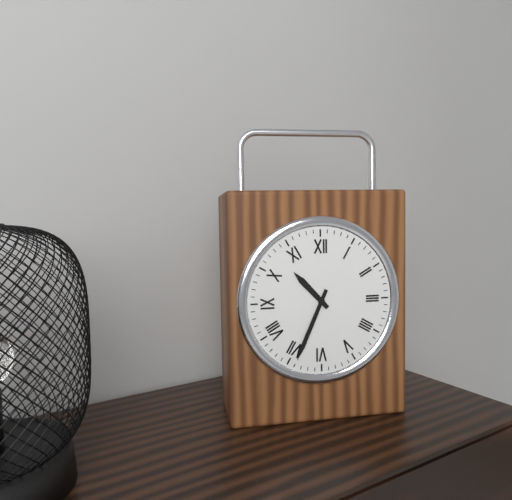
10:34
